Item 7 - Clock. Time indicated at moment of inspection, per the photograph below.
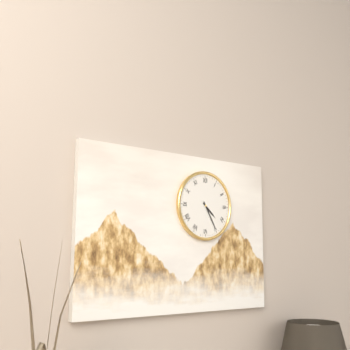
4:25
